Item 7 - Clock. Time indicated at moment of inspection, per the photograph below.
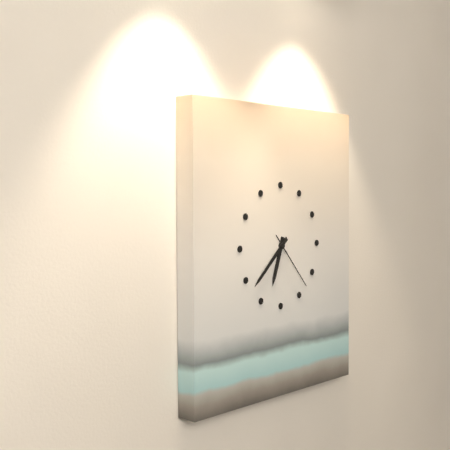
6:38:23
